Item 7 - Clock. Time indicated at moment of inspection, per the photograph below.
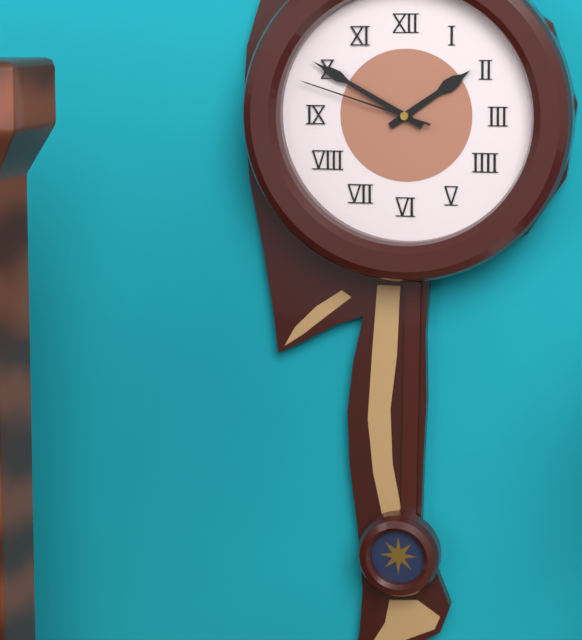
1:50:48
